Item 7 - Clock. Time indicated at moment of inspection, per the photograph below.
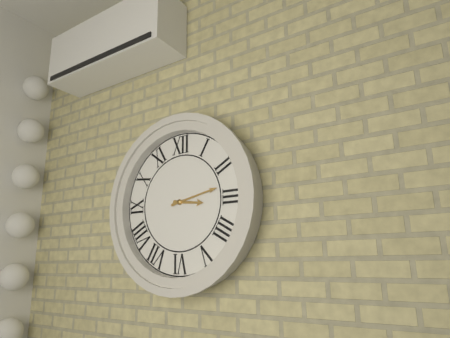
3:13
